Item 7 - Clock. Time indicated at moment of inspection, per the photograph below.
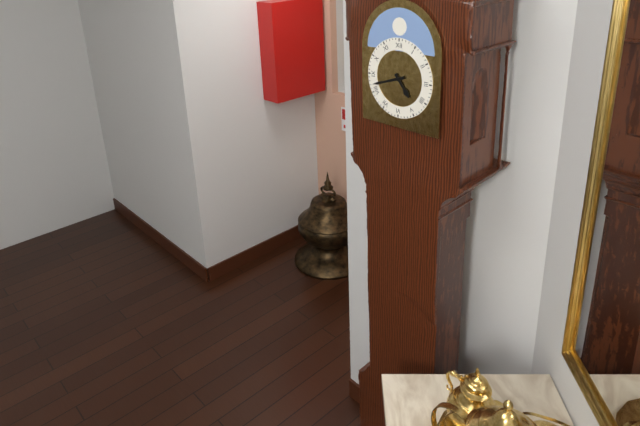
4:42
